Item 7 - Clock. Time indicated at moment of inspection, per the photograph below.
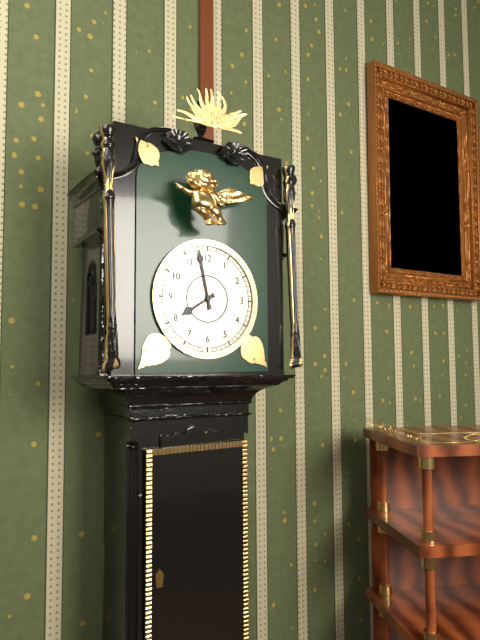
7:58
